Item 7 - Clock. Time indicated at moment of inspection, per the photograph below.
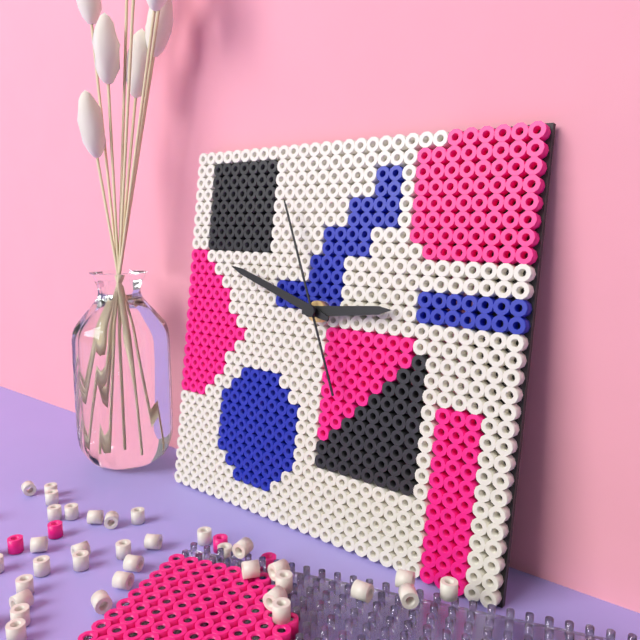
2:48:56
